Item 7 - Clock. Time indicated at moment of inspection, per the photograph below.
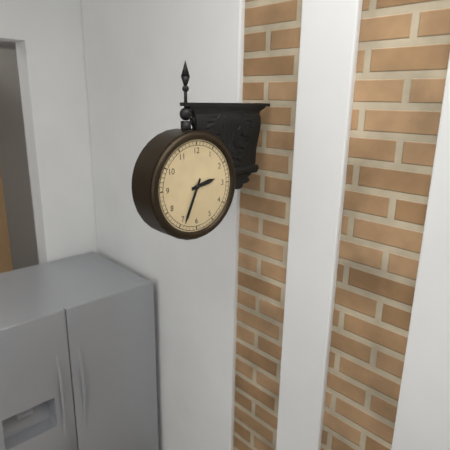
2:34
